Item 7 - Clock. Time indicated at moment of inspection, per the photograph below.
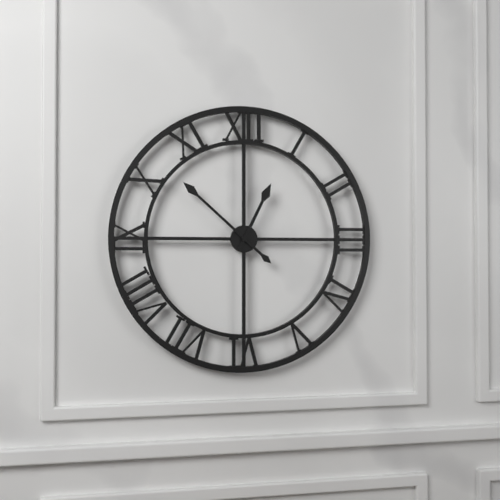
12:52
